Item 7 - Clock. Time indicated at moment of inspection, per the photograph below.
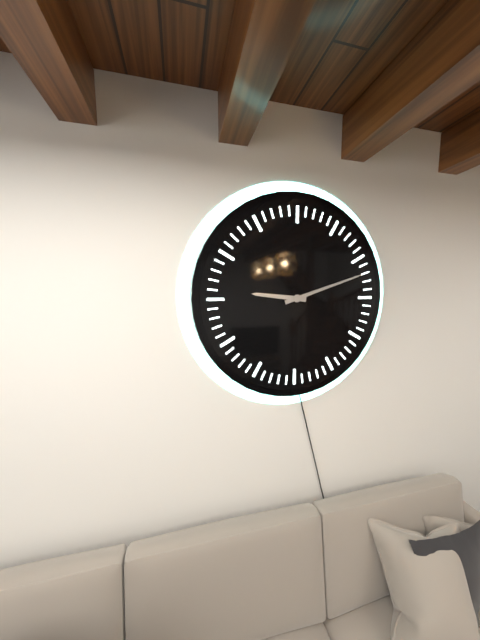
9:12
